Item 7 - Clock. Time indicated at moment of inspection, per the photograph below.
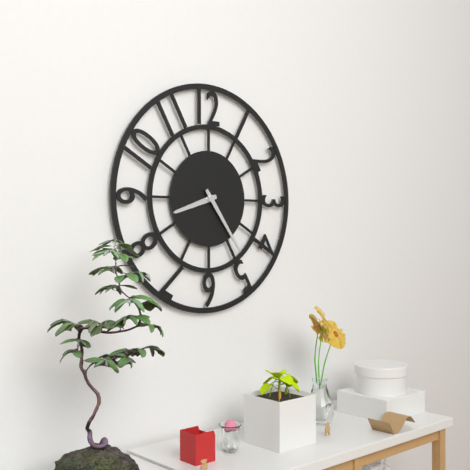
8:24
